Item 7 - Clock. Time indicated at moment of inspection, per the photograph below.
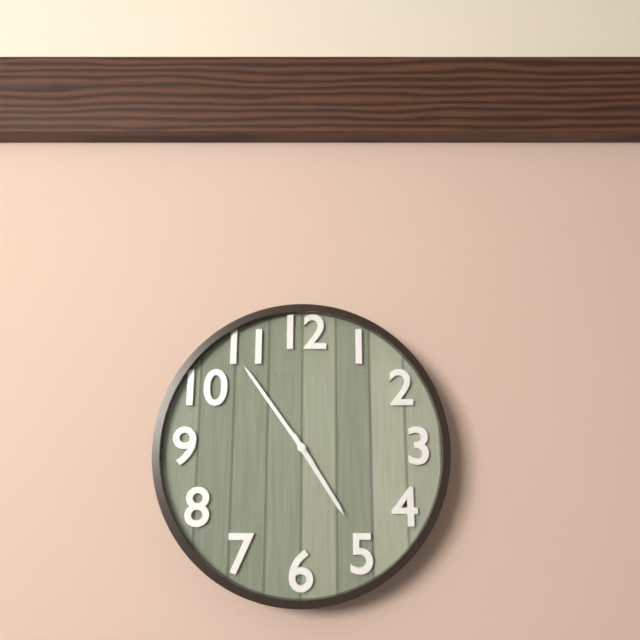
4:54
